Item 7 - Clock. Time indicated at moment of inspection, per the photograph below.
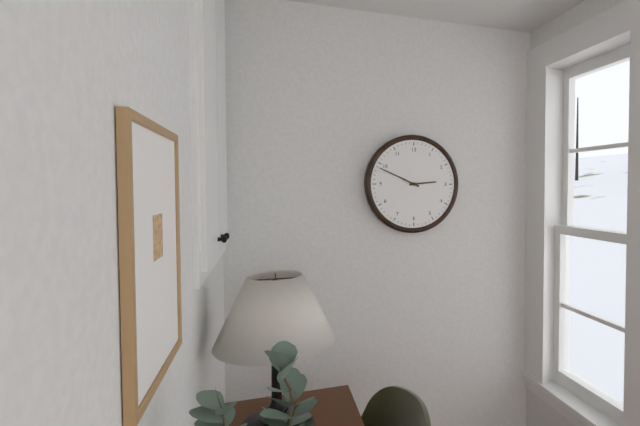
2:49
